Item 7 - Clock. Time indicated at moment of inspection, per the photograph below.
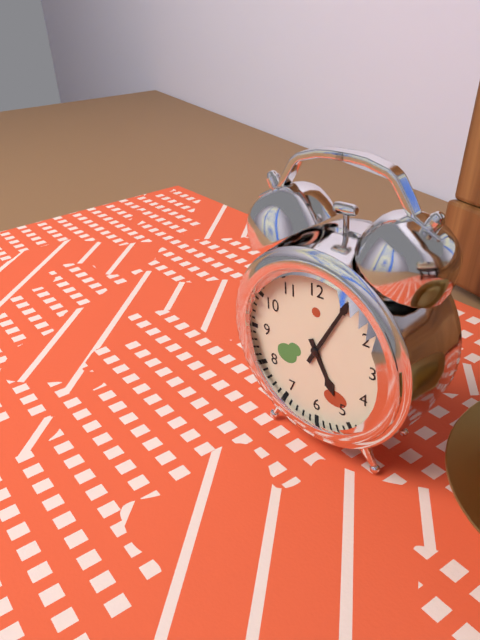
5:05
